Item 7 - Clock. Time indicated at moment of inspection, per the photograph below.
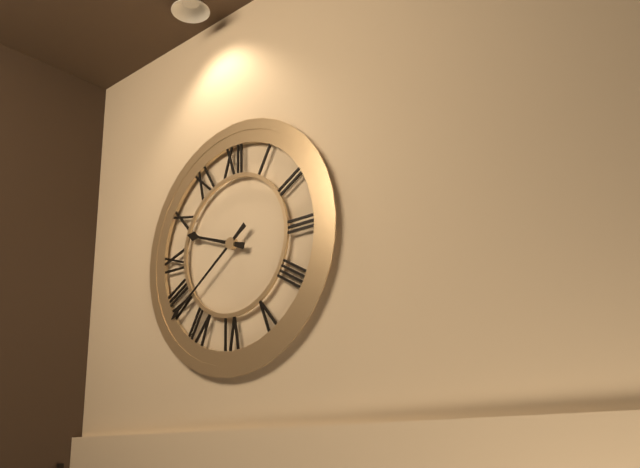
9:39
